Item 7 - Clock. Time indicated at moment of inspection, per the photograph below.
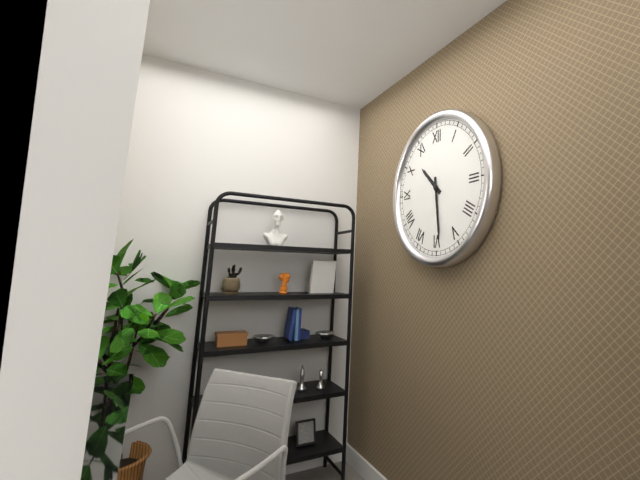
10:29
